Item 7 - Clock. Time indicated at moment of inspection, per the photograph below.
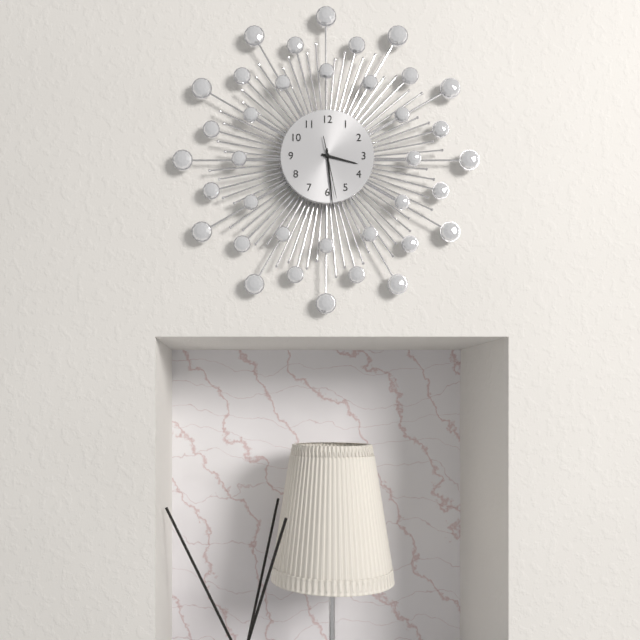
3:29:28
